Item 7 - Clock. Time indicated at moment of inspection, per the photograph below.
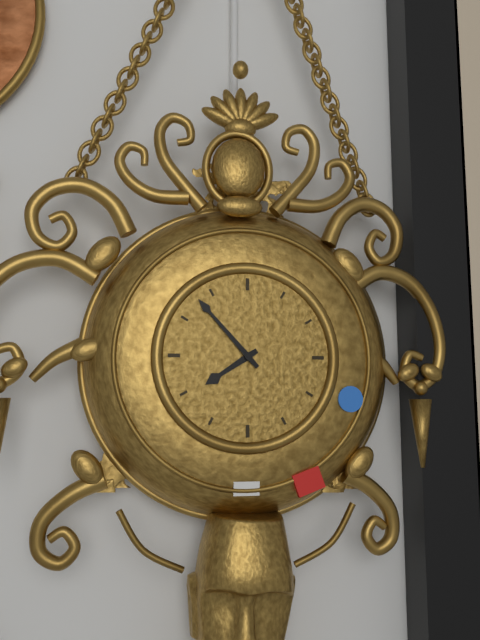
7:53
